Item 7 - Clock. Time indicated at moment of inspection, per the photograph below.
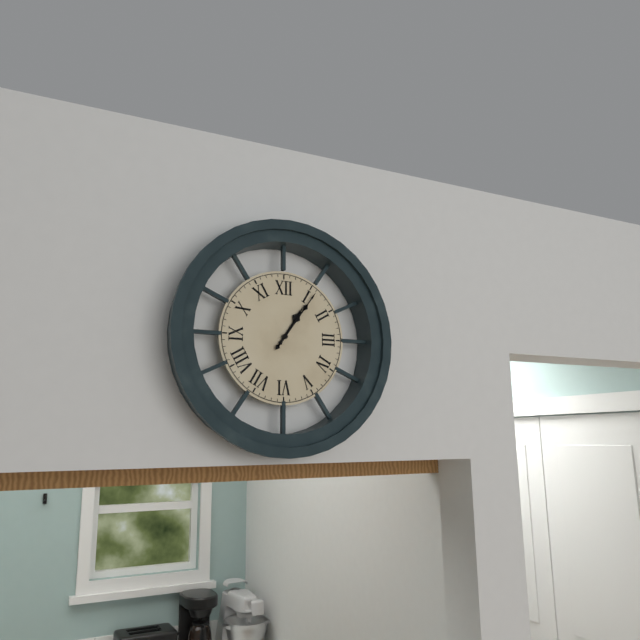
1:06
